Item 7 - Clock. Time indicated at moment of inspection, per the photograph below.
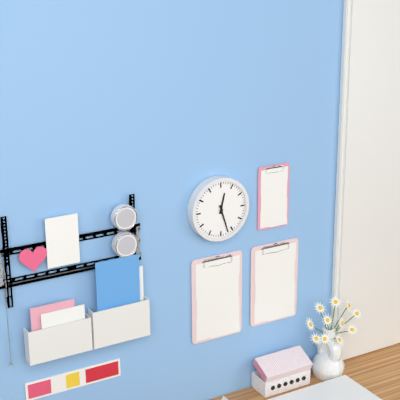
12:27
